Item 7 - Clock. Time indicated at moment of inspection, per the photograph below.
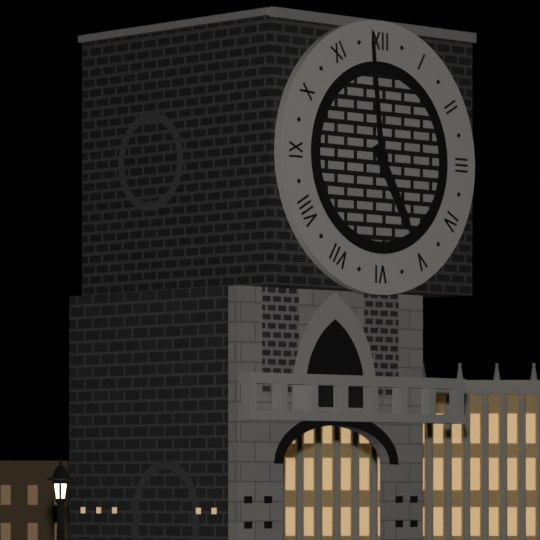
4:59
